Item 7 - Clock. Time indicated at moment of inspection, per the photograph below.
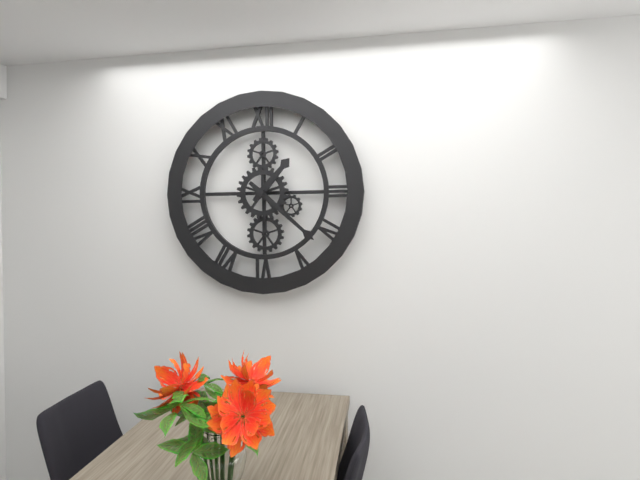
1:22
